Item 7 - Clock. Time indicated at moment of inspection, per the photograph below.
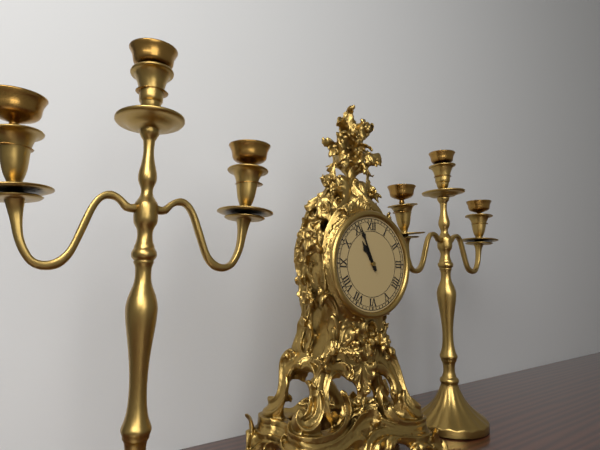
10:56
